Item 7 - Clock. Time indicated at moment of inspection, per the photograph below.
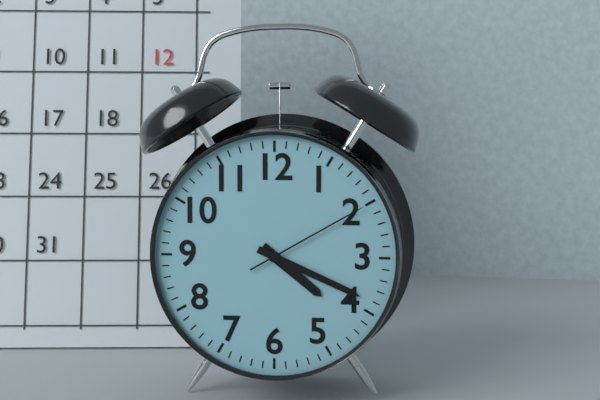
4:19:10
